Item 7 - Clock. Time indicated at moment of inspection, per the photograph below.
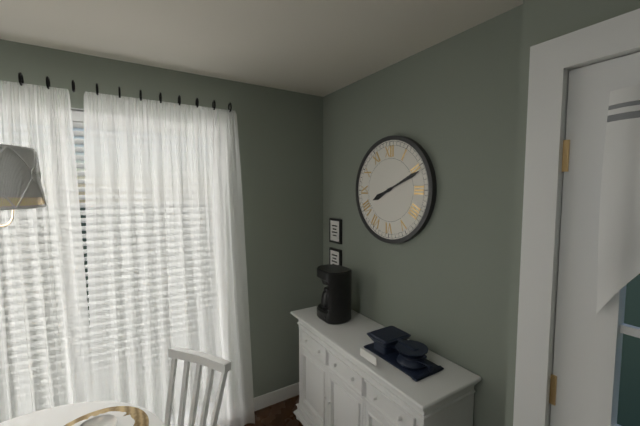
8:11
